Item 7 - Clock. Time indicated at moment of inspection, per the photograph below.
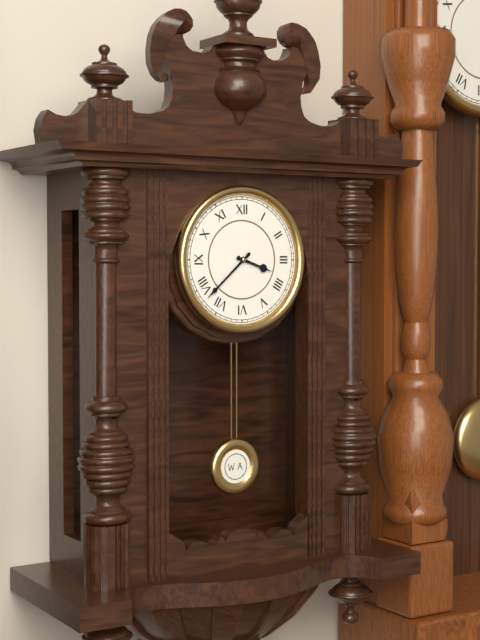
3:38
